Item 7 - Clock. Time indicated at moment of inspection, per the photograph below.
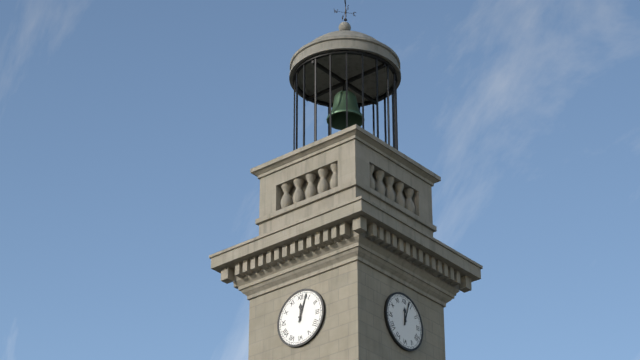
12:03
